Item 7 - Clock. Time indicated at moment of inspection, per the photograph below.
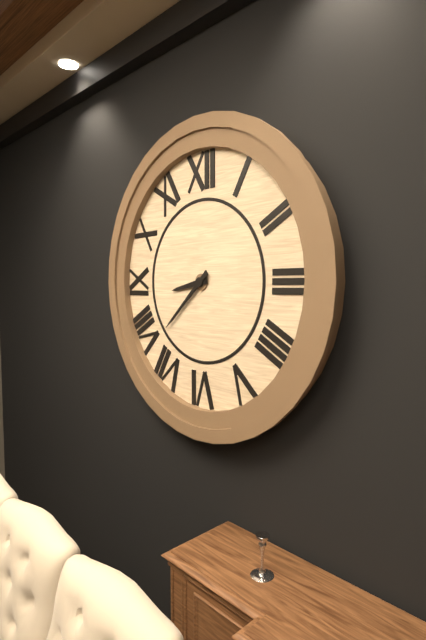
8:38
